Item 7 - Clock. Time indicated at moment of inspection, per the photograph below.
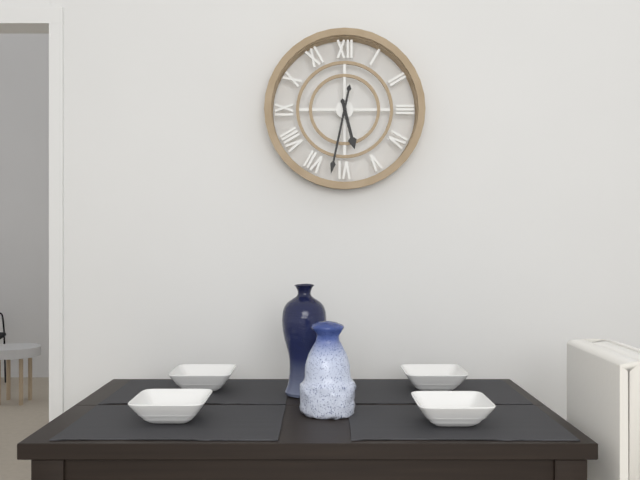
5:32
